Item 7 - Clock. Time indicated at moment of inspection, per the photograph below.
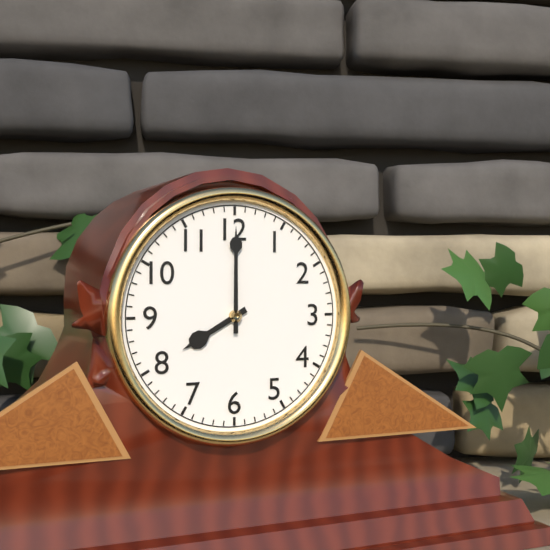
8:00
